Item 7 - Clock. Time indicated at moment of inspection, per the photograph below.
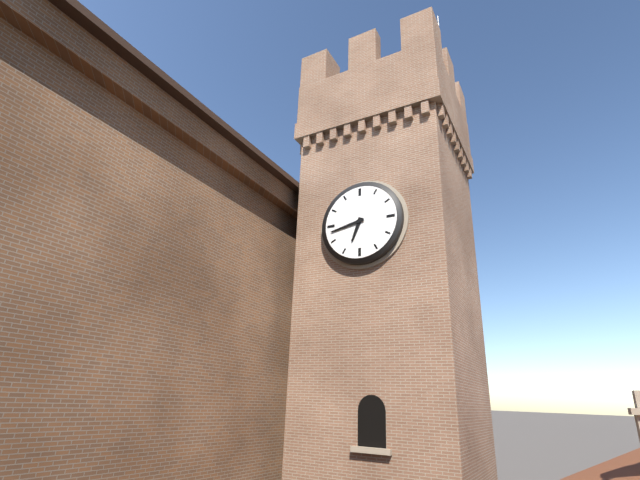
6:43
